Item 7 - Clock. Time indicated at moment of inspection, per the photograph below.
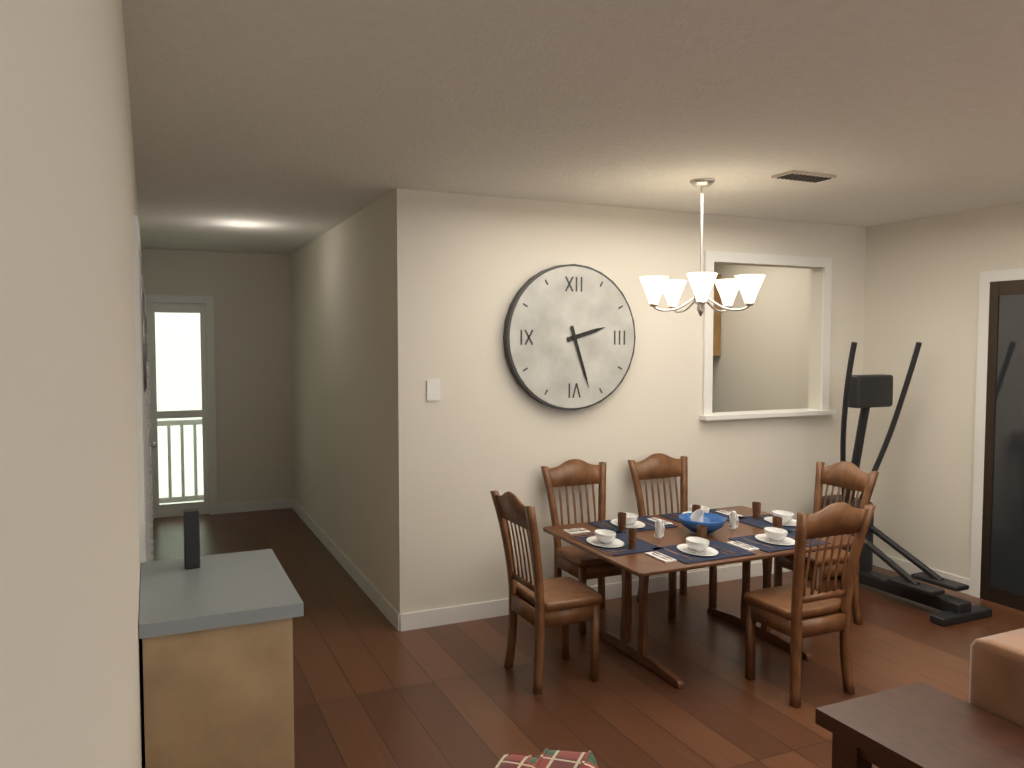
2:27
